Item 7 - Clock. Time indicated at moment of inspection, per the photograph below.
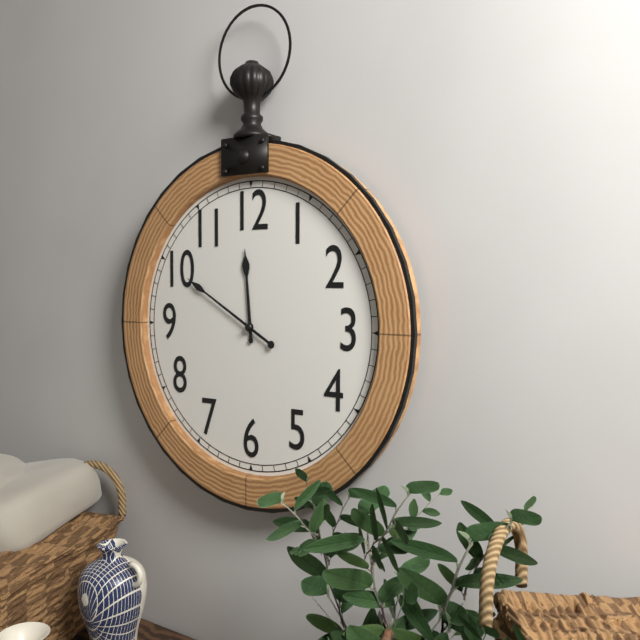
11:50
